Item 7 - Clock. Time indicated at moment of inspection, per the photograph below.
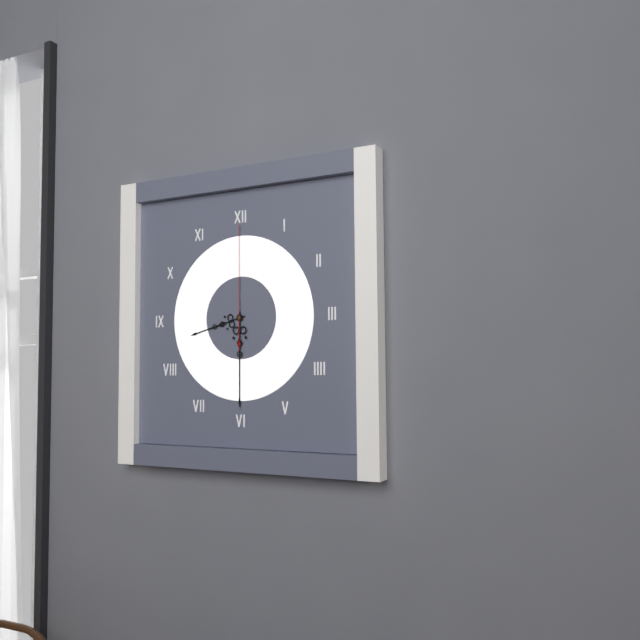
8:30:00
